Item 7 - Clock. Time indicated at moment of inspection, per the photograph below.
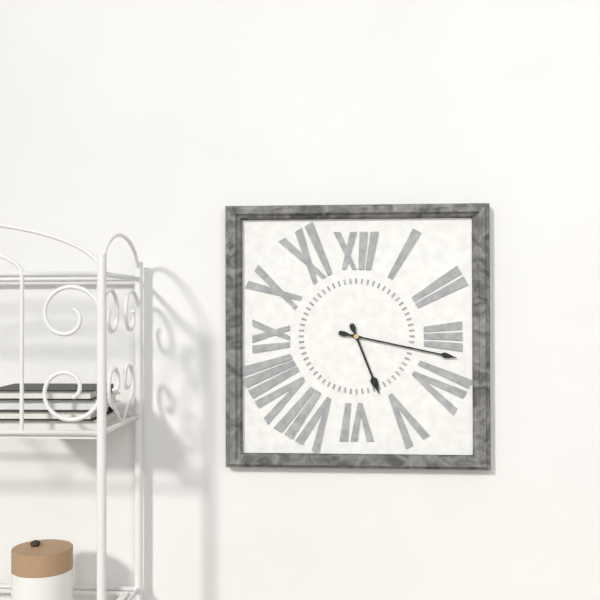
5:17
